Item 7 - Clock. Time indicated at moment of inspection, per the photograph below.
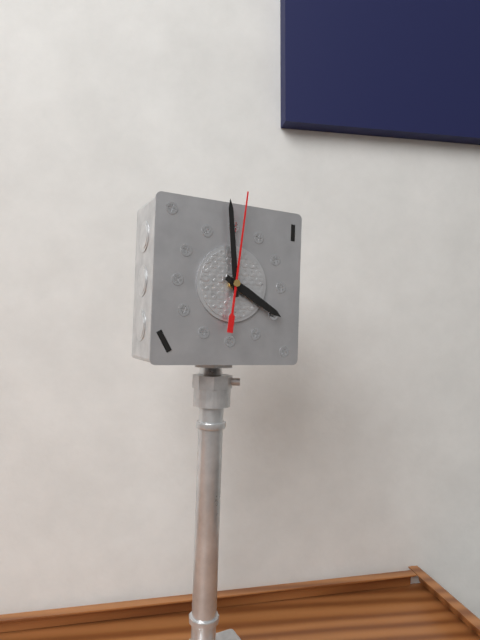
3:59:01
